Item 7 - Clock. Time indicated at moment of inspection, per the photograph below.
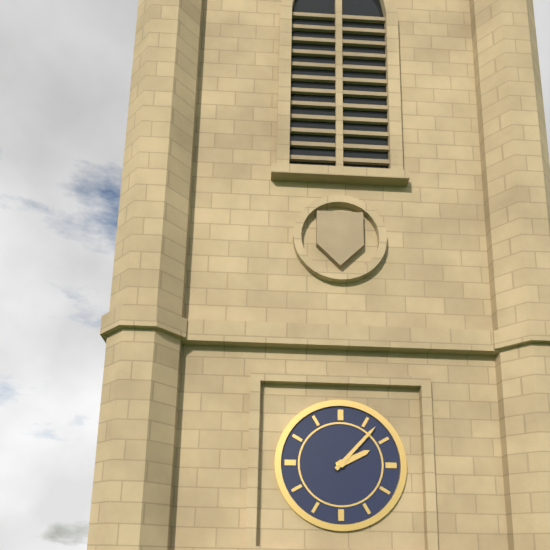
2:07
